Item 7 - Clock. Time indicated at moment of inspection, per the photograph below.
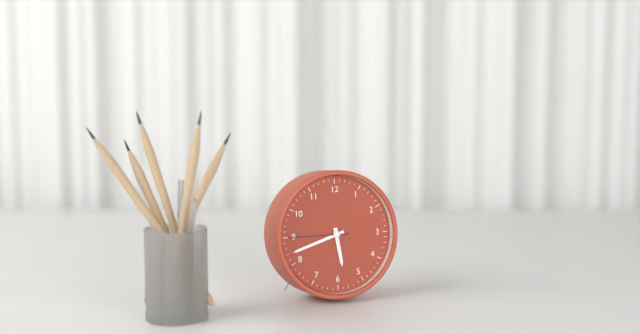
5:42:45
